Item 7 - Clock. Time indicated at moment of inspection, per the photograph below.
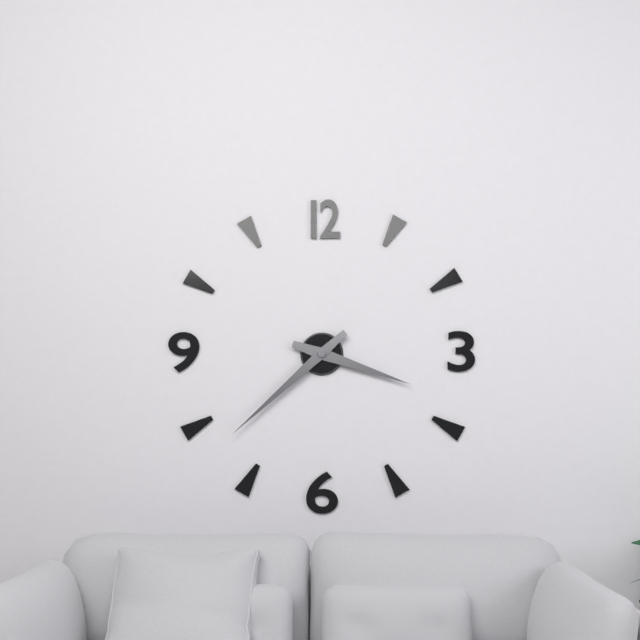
3:38
